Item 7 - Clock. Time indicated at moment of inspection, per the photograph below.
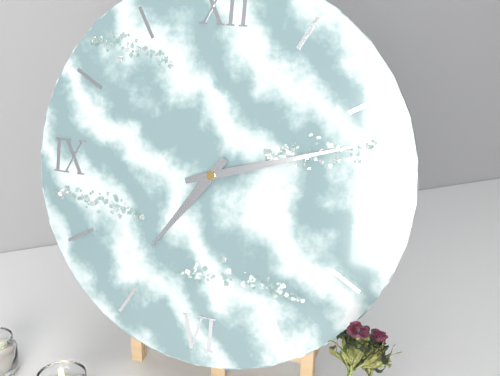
7:12
